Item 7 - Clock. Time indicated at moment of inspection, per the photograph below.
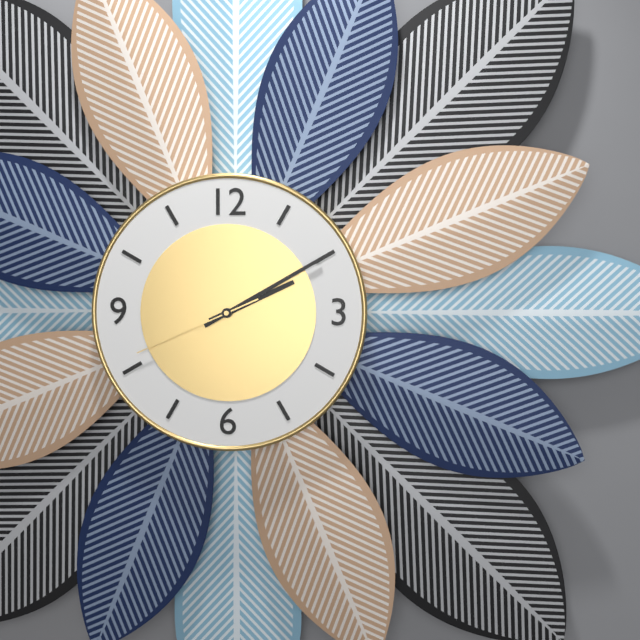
2:10:41
